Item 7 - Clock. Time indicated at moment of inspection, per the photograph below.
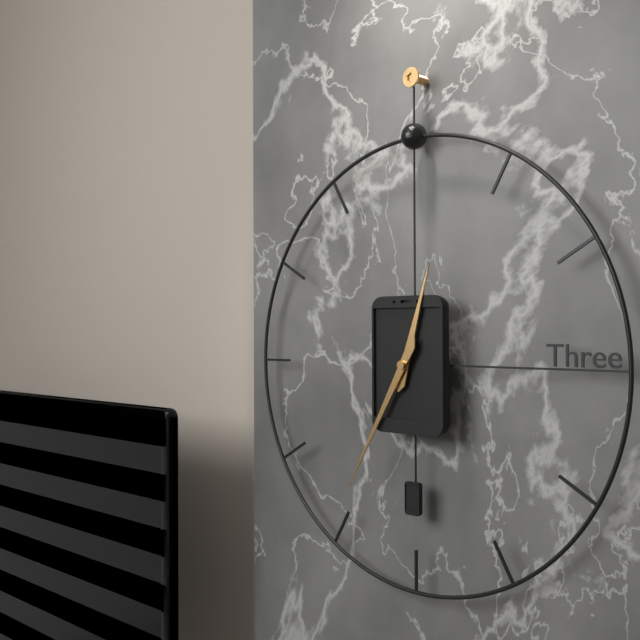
12:35
